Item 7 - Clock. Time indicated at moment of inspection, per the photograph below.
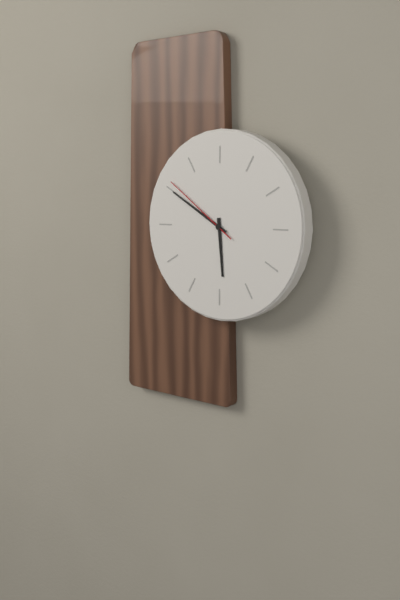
5:50:51
